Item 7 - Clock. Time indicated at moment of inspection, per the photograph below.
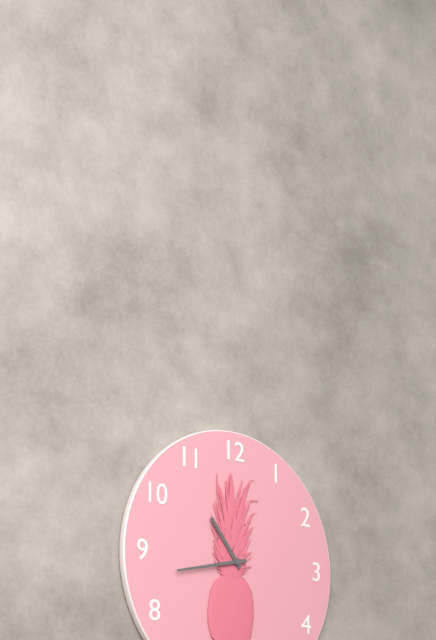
10:43
